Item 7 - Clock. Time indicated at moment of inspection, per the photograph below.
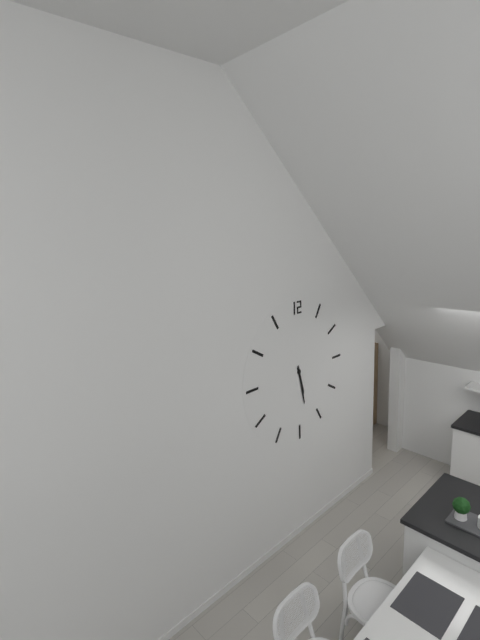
5:28
